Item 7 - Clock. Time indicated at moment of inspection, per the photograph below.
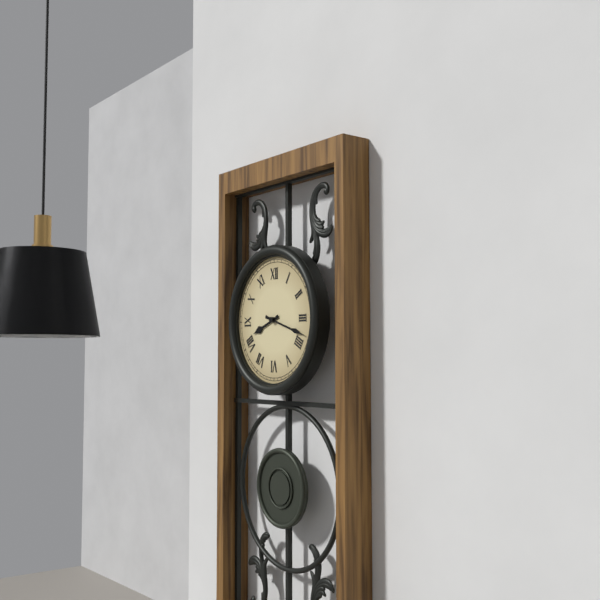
8:18
